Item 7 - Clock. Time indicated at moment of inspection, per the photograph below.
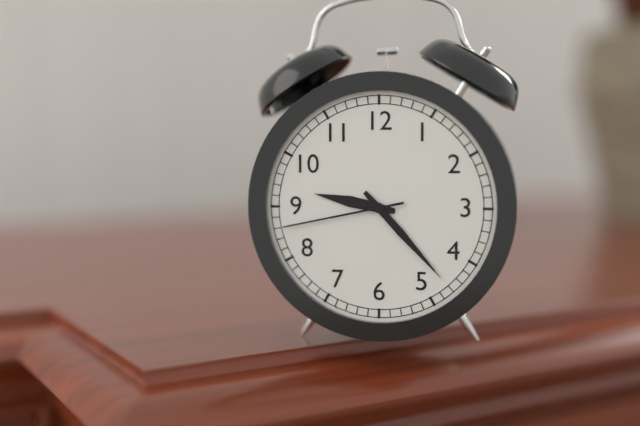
9:23:43
